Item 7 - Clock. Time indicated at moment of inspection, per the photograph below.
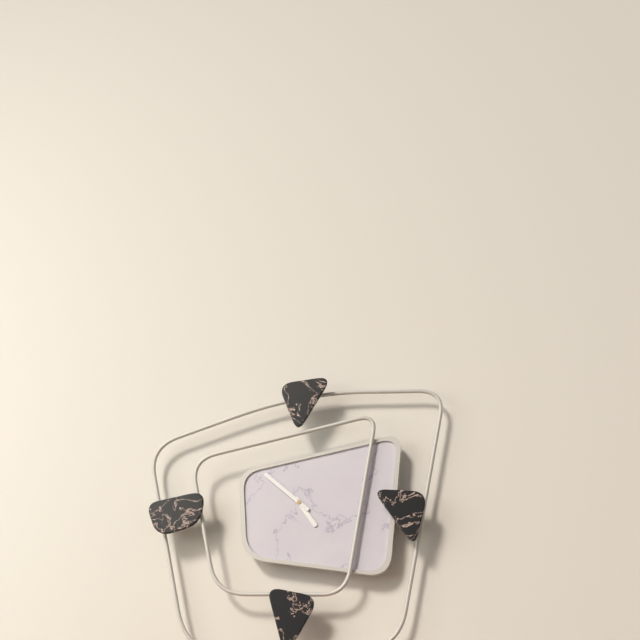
4:52
